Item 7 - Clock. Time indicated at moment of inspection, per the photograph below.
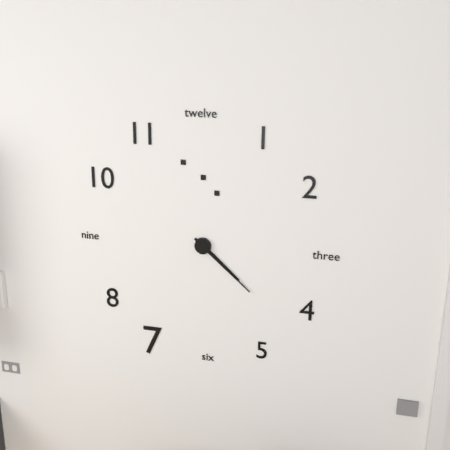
4:22
